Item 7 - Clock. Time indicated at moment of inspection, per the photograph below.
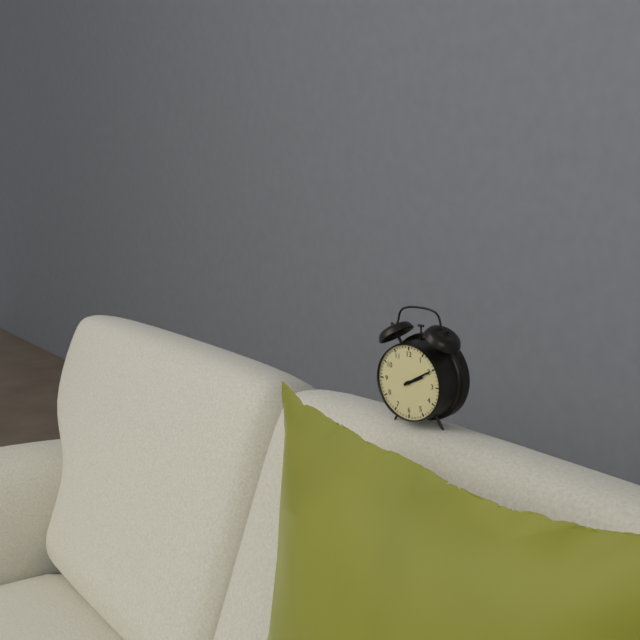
2:10
